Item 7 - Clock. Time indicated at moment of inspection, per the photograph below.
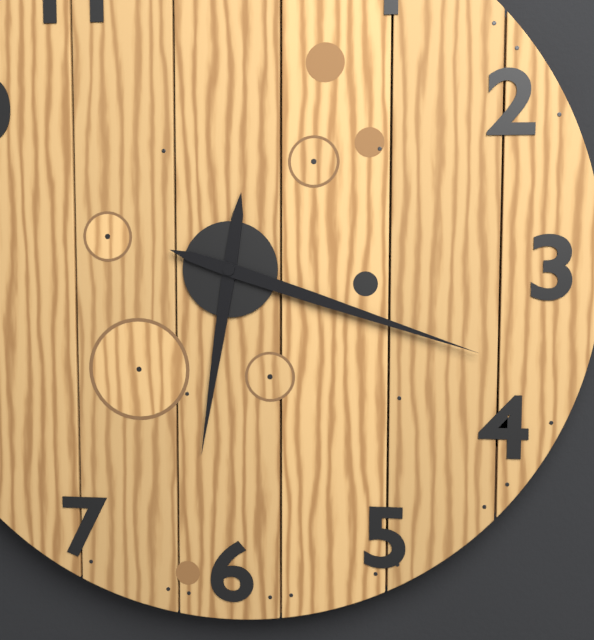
6:18
